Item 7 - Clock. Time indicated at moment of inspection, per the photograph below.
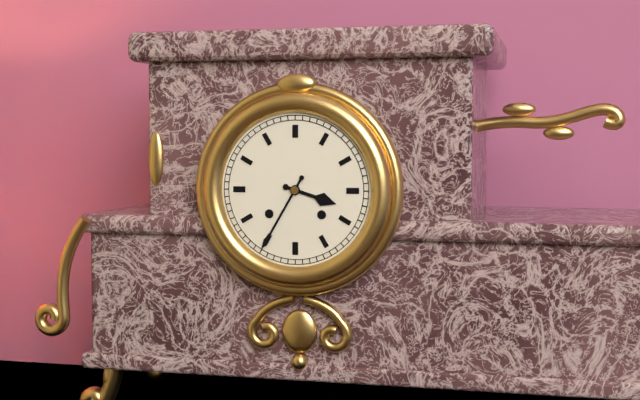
3:35
